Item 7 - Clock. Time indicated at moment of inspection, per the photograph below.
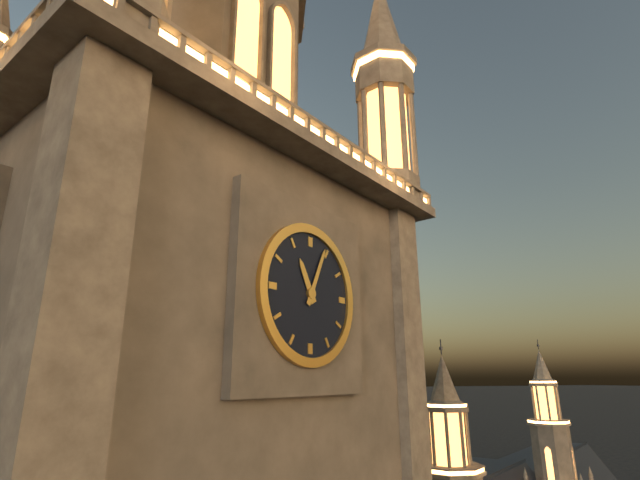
11:04
